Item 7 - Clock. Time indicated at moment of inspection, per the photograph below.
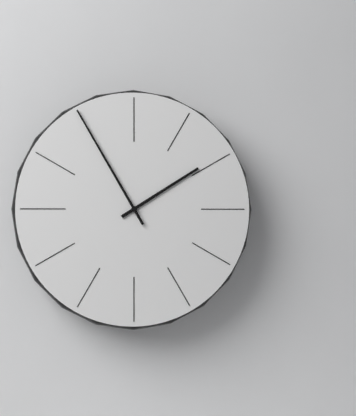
1:55
